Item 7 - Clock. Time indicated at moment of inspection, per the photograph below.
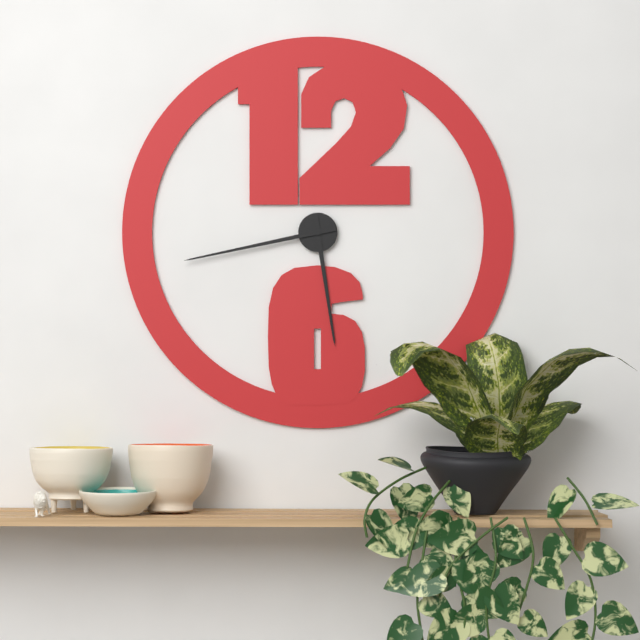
5:43
